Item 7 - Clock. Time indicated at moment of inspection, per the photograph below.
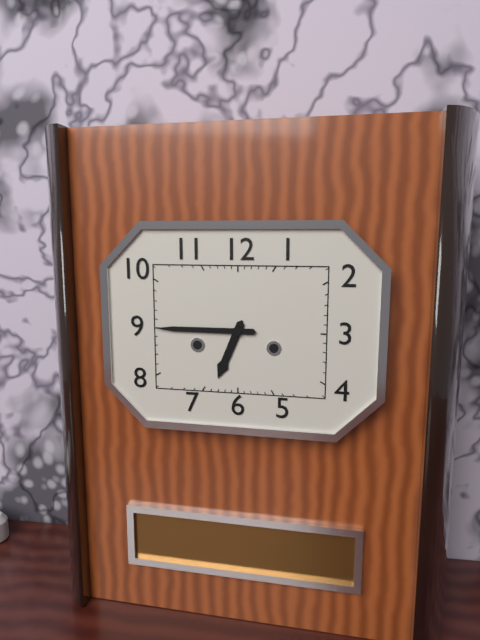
6:45
